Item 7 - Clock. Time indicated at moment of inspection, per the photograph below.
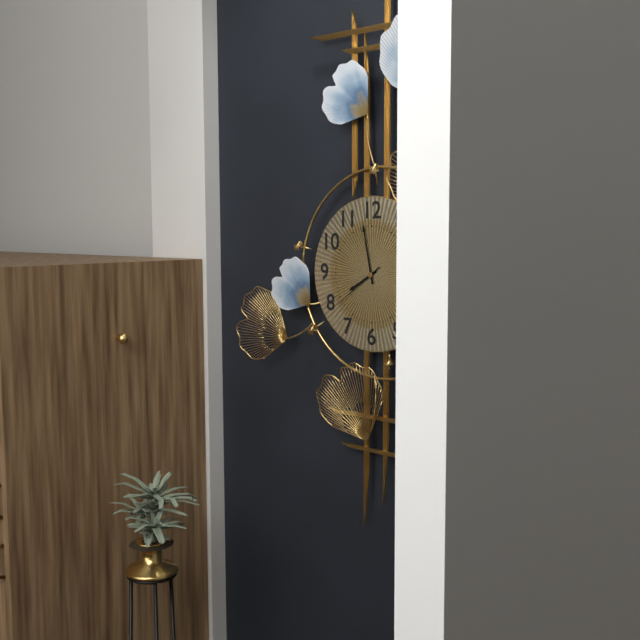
7:58:39
